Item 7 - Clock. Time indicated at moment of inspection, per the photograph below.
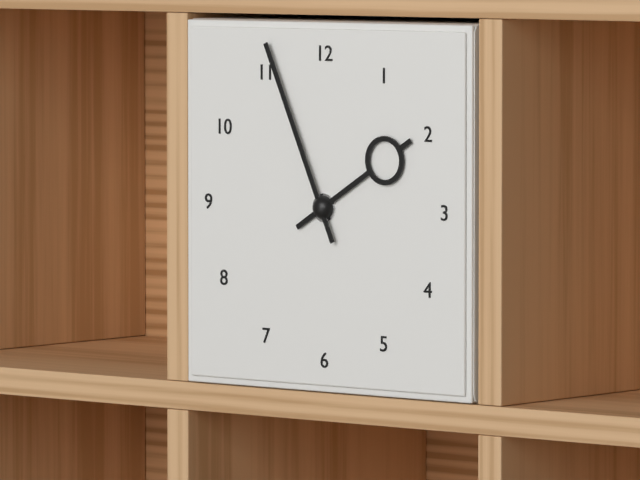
1:56
